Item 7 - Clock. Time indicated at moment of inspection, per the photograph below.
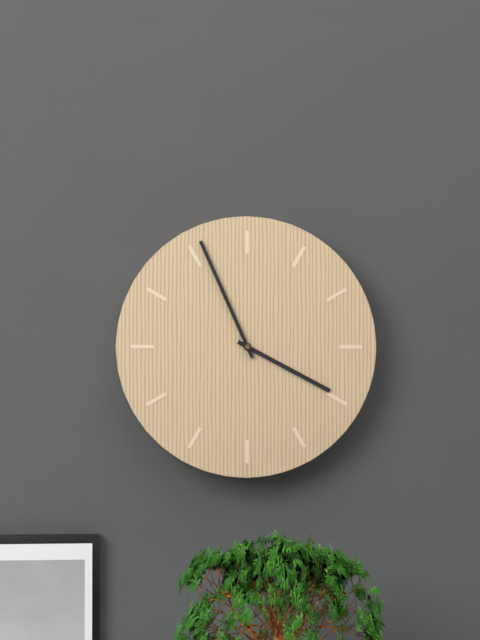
3:56
